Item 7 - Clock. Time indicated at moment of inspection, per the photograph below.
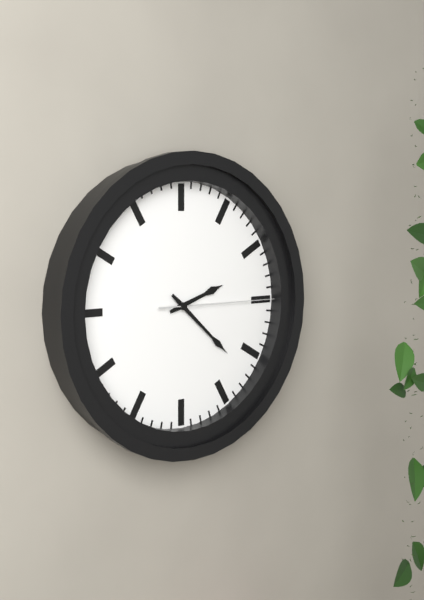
2:22:15
